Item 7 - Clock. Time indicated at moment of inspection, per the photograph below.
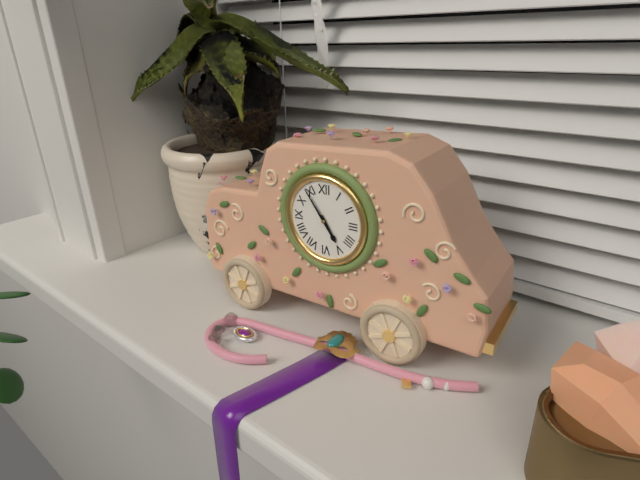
4:54
